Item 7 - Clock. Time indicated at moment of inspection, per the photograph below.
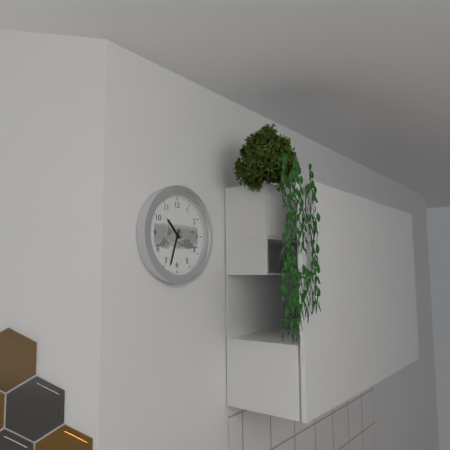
10:33
